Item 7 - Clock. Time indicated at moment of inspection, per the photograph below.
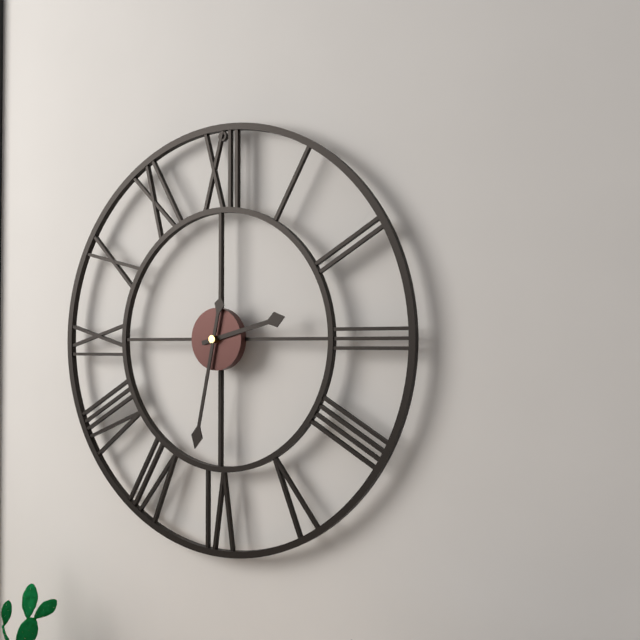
2:32
